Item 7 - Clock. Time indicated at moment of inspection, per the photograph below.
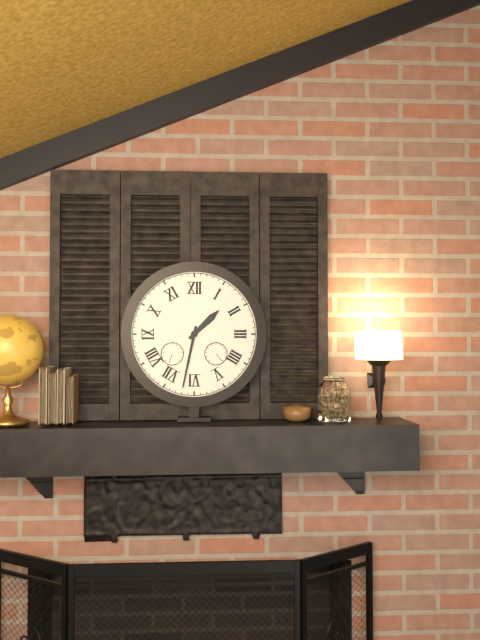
1:32
